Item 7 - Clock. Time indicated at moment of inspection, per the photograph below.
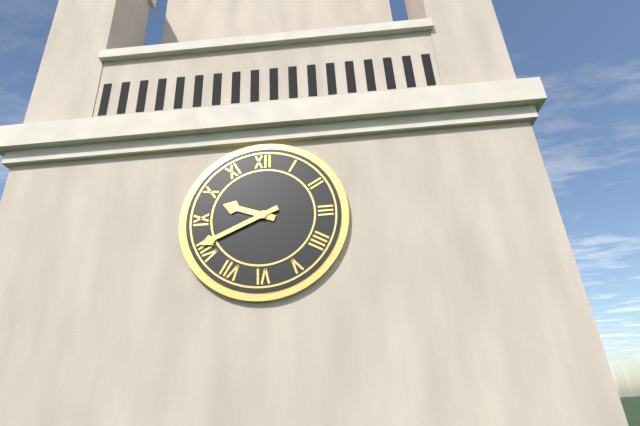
9:41
